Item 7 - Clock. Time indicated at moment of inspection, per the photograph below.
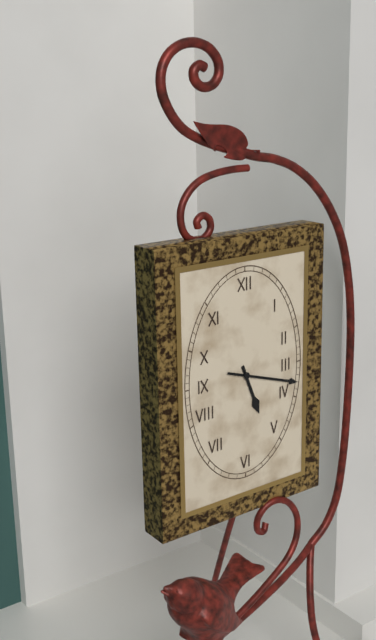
5:18
